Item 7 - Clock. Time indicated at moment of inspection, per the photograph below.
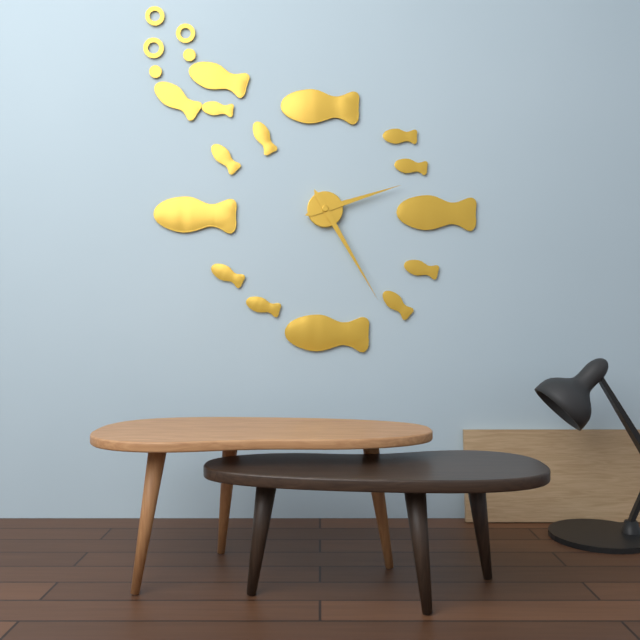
2:25
